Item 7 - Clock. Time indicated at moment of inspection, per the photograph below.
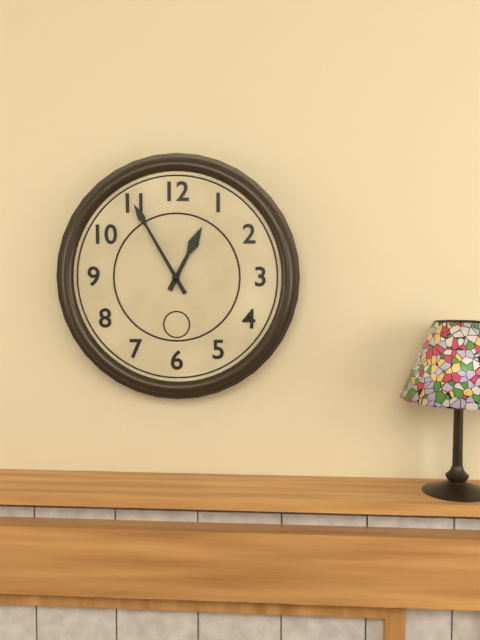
12:55
